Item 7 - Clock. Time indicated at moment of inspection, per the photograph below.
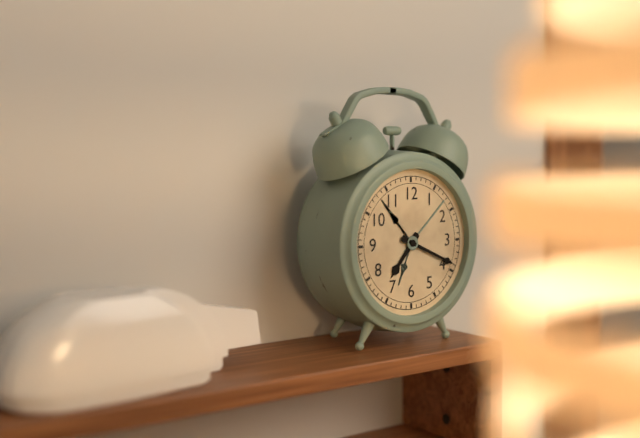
7:19
